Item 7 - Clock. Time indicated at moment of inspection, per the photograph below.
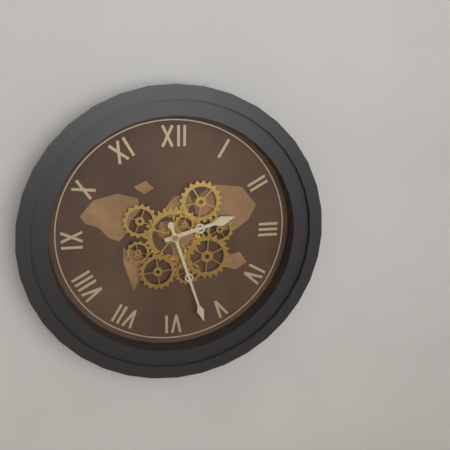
2:27
